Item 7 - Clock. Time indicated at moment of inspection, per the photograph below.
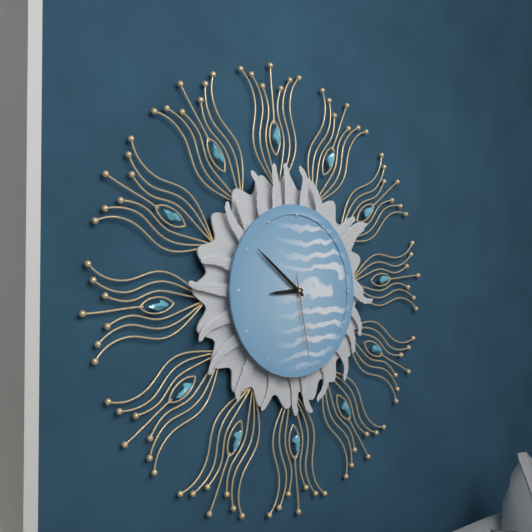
8:51:28
